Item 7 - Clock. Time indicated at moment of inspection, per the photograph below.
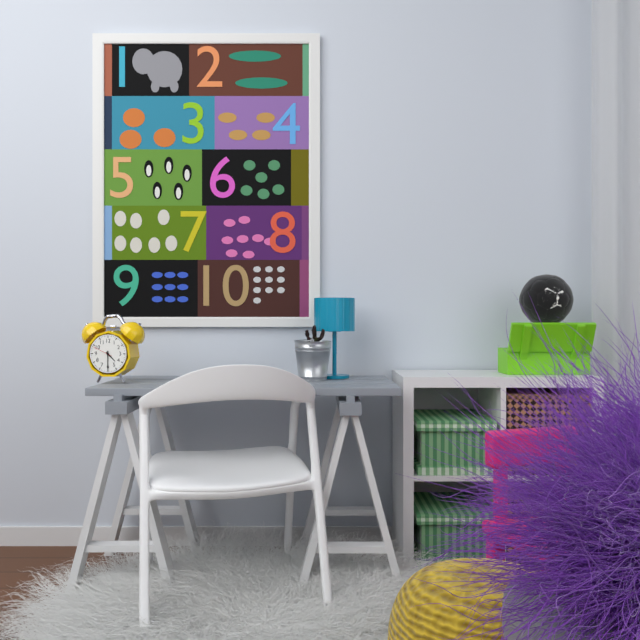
4:30
